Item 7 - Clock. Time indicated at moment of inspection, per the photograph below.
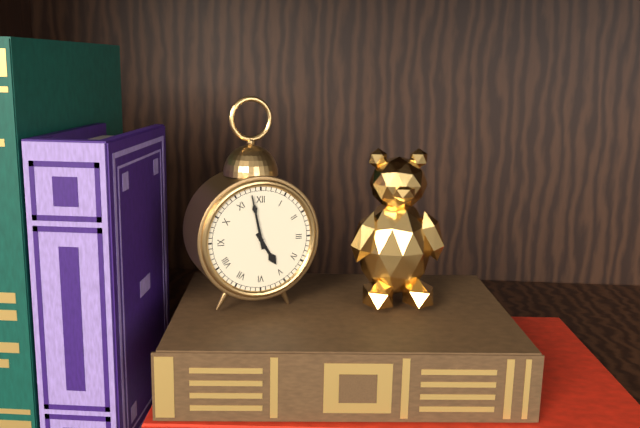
4:58
